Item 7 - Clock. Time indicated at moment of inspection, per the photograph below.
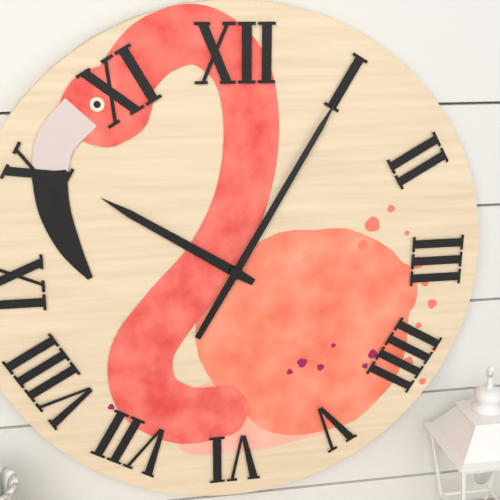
10:05
